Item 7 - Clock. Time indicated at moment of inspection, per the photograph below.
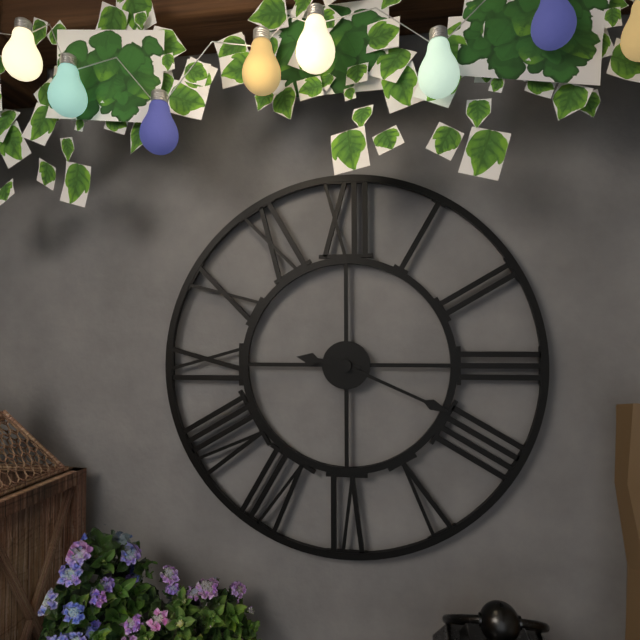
9:19
